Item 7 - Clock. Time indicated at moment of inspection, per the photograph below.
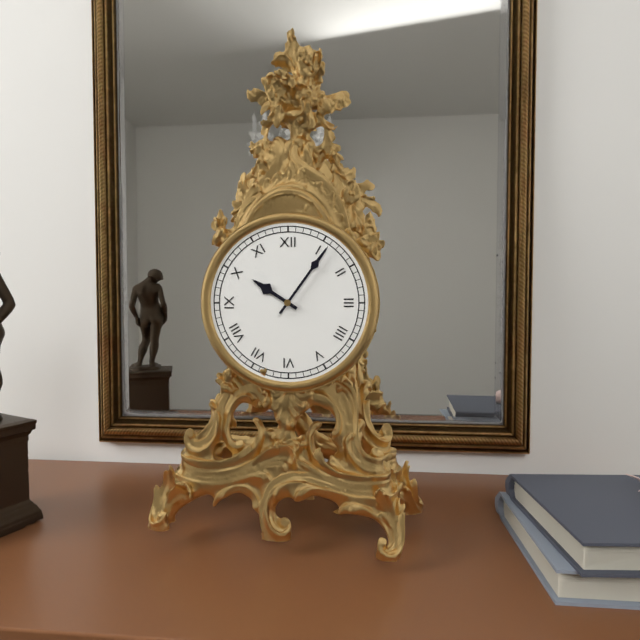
10:06
